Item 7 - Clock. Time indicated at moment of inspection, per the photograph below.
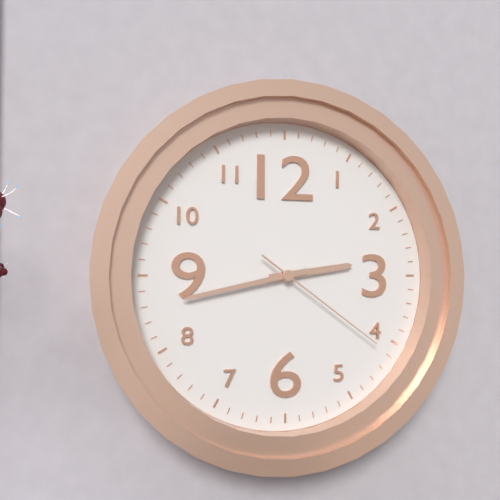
2:43:21
